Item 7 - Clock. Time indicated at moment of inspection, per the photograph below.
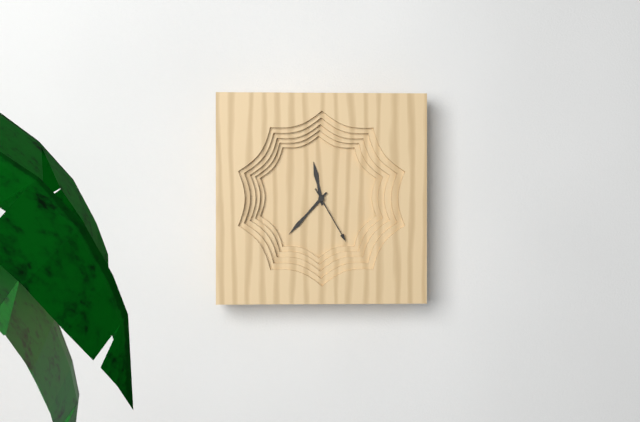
11:37:25
